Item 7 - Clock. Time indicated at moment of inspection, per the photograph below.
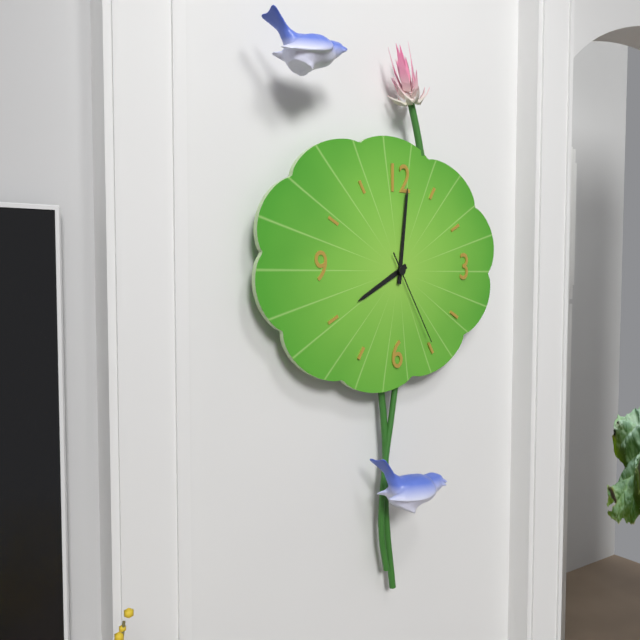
8:01:25
